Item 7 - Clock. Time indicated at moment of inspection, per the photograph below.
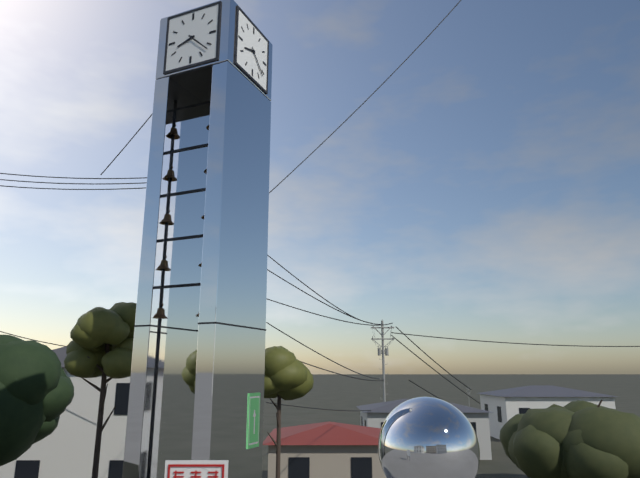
8:22
